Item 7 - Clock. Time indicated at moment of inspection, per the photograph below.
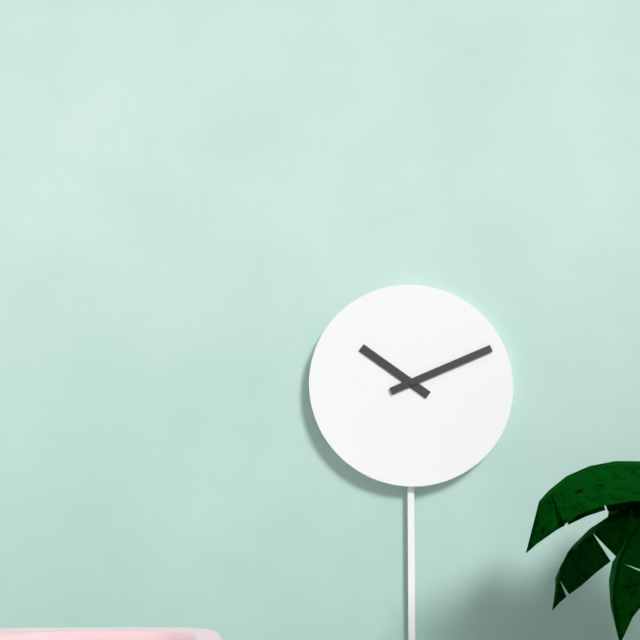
10:11
